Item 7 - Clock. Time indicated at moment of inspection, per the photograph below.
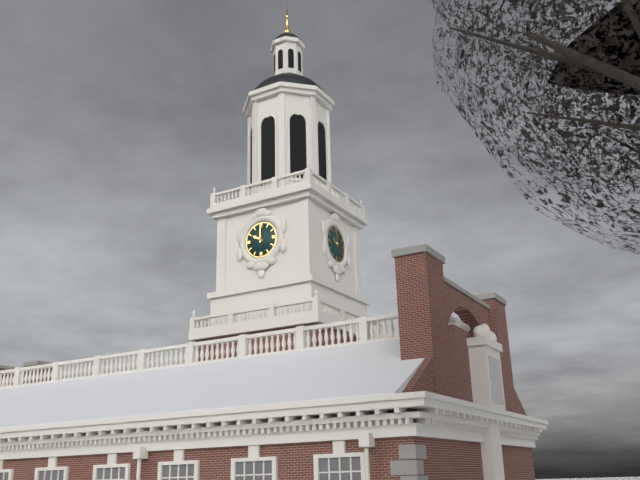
10:00
